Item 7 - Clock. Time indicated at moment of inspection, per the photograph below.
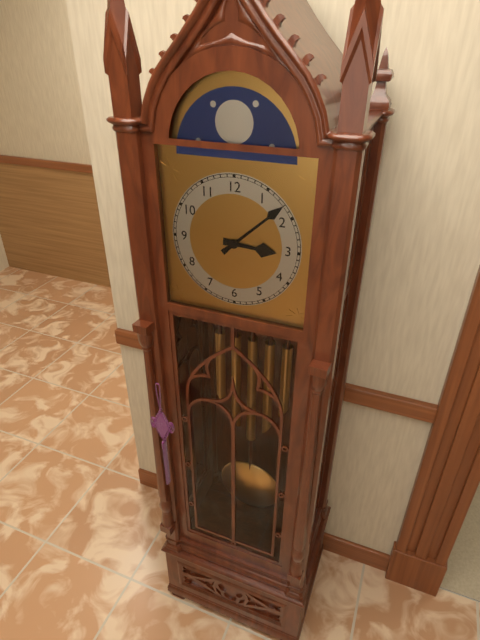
3:08
